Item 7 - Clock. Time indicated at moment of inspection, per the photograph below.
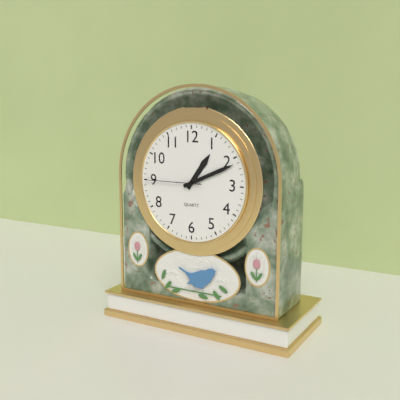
1:11:45
